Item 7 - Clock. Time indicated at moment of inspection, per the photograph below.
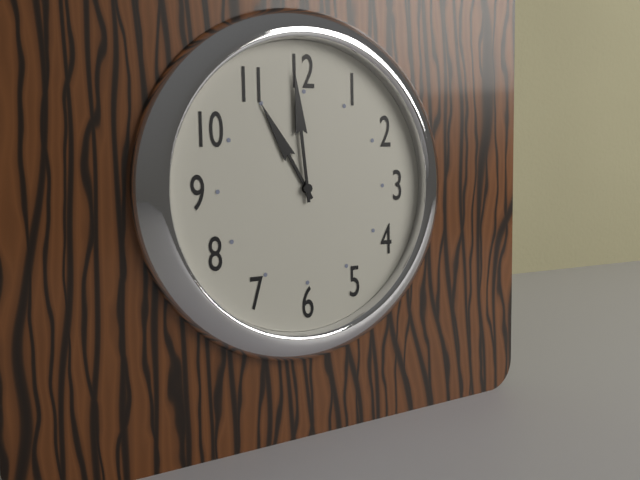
10:59
